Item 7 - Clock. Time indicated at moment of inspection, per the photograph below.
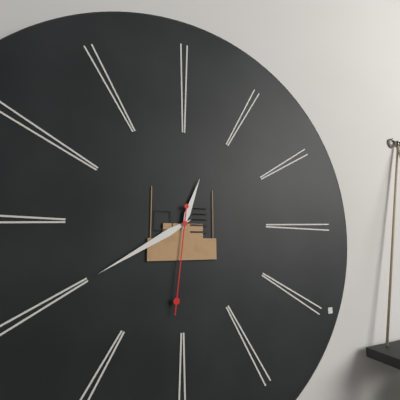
12:40:31
